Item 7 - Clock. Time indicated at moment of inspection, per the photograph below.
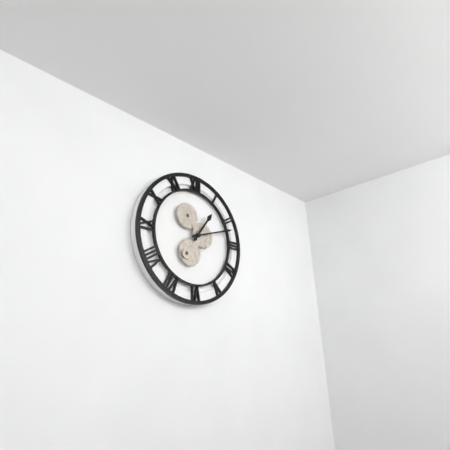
1:12
